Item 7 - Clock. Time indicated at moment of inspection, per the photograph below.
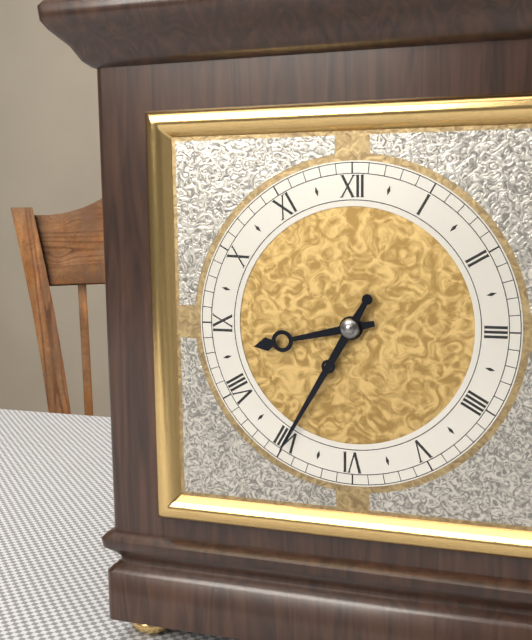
8:35
